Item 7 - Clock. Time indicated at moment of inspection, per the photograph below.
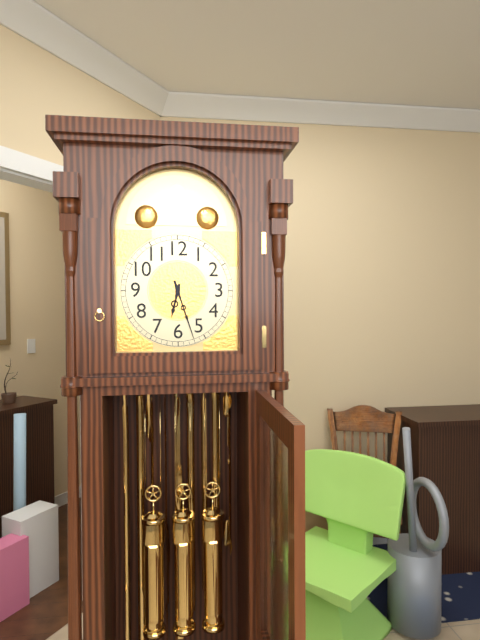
6:27
